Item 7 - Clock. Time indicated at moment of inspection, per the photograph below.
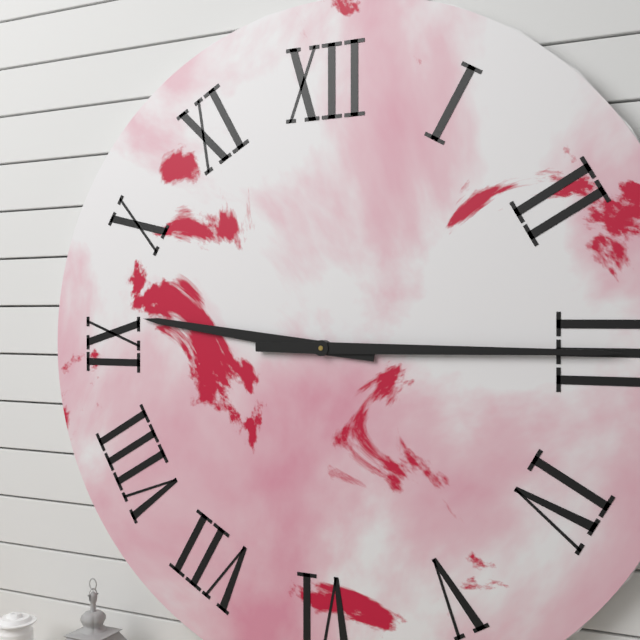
9:15
